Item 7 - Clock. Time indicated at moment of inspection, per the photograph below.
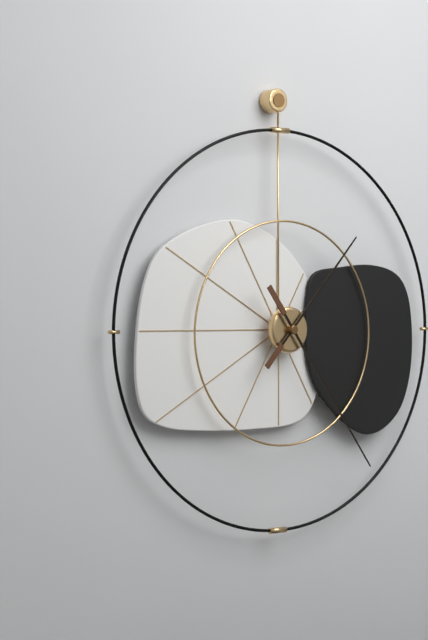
1:24
